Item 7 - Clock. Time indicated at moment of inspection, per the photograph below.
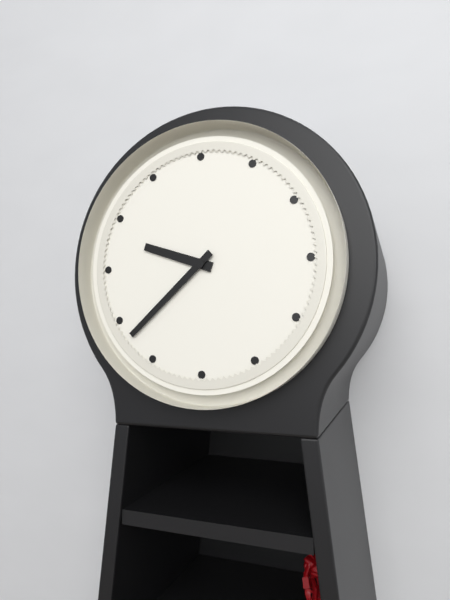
9:38
